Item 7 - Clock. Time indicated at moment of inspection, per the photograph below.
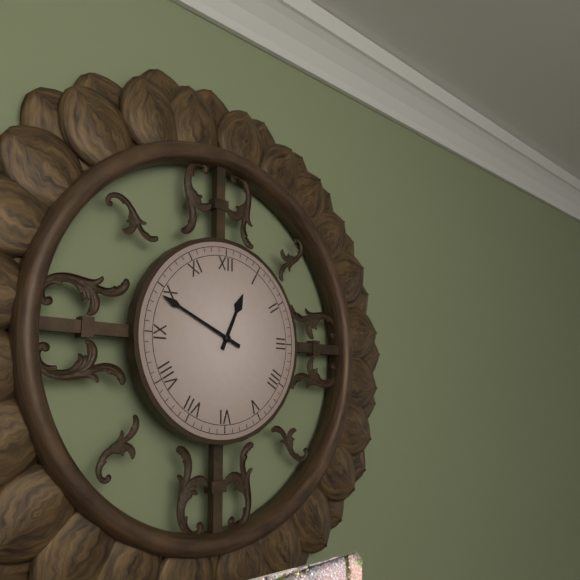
12:49
